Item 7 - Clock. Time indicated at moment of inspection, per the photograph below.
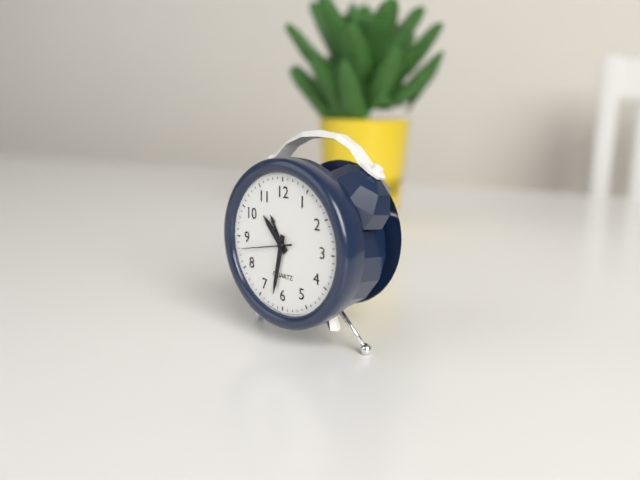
10:32
